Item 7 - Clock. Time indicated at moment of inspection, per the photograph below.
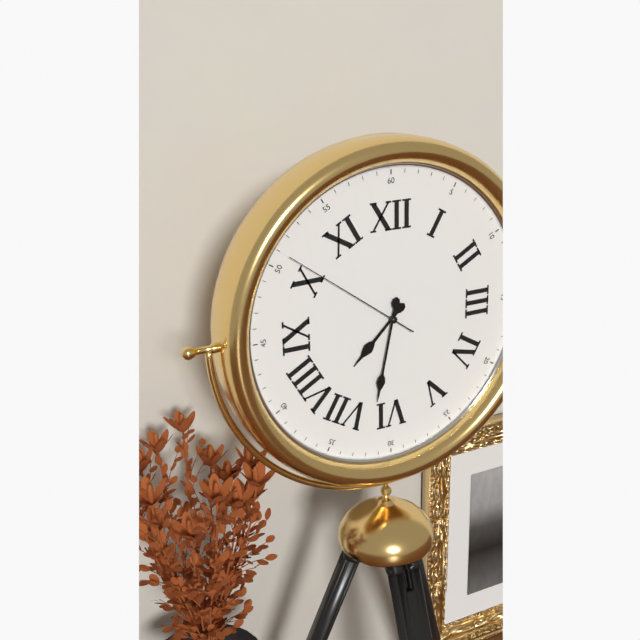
7:32:51
